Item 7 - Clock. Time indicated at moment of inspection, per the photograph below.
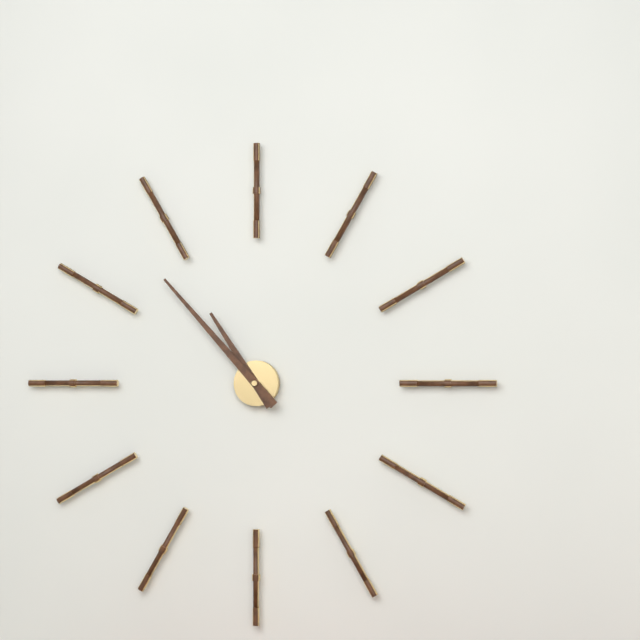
10:53
